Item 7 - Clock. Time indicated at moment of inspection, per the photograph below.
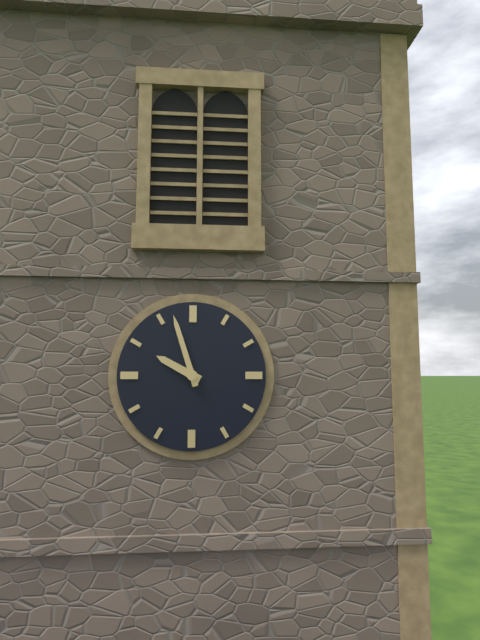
9:57
